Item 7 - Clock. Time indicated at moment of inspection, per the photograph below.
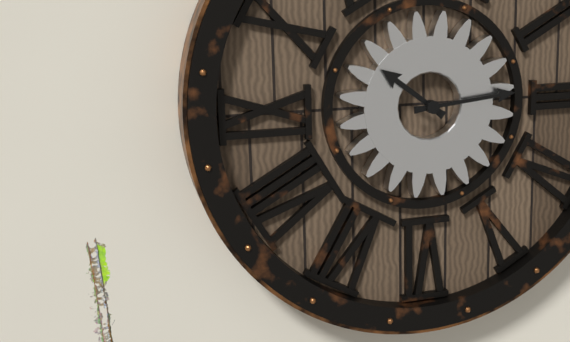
10:14
